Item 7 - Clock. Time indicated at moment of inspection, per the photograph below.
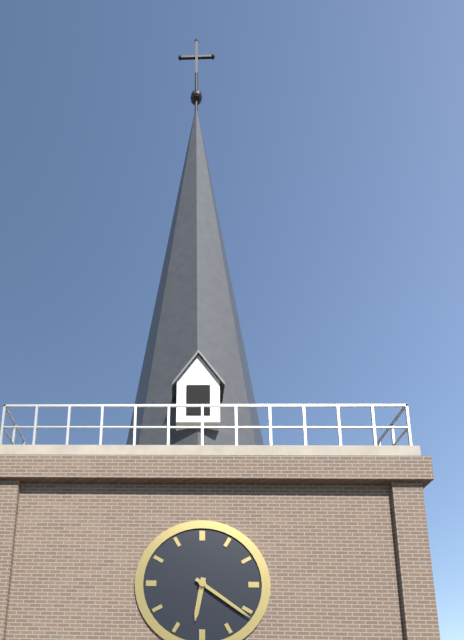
6:21
